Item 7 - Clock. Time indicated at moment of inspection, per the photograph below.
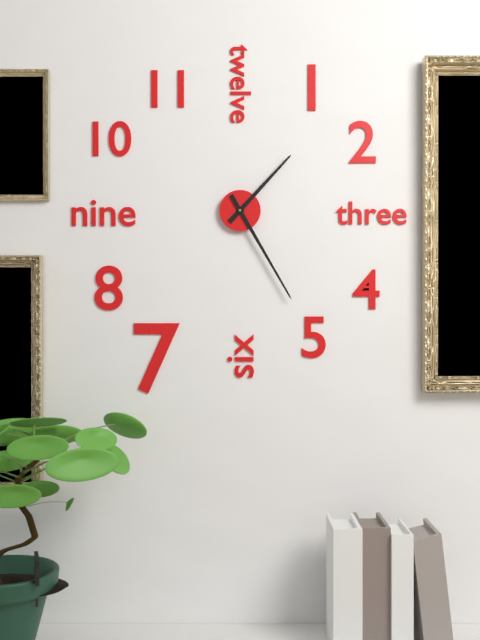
1:25
